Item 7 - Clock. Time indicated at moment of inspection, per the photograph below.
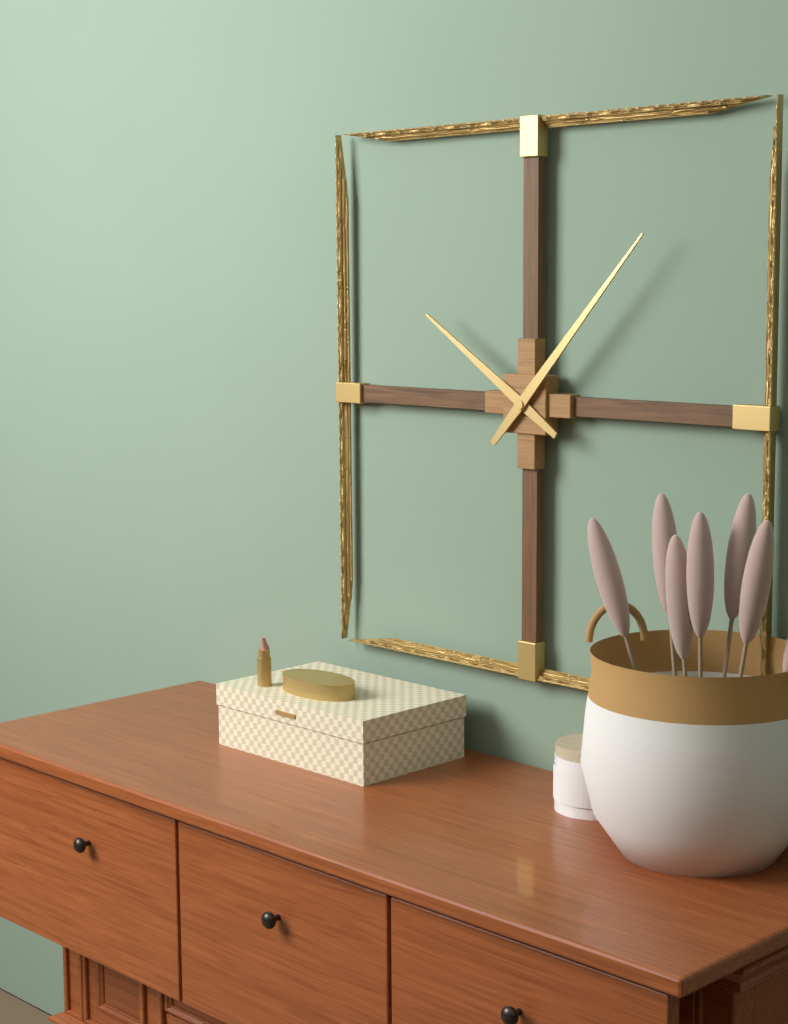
10:07
